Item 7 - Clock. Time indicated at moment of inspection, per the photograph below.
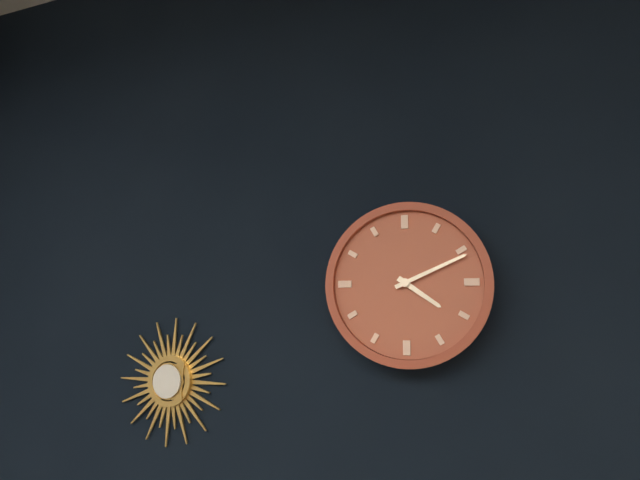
4:11
